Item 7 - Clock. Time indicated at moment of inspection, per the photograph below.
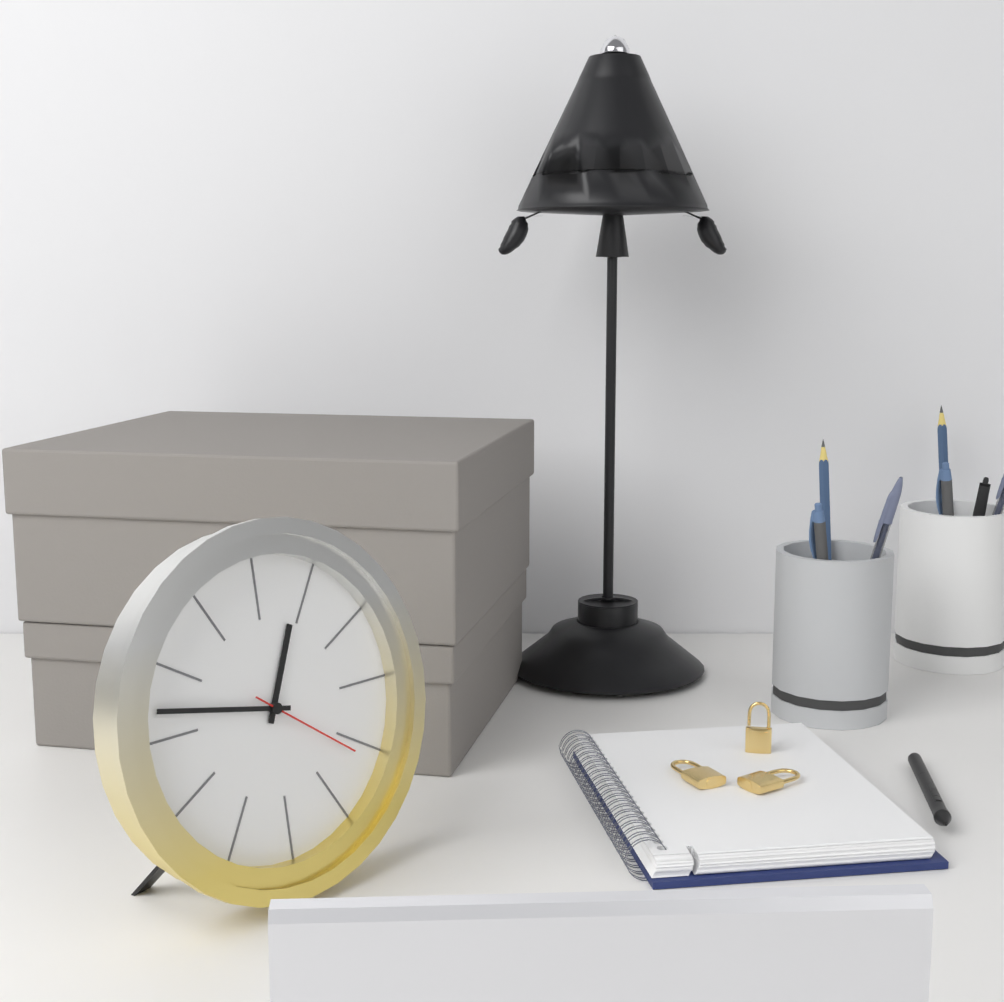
12:47:21
